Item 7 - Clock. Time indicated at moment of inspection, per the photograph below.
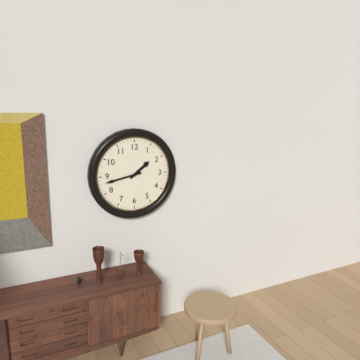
1:43
